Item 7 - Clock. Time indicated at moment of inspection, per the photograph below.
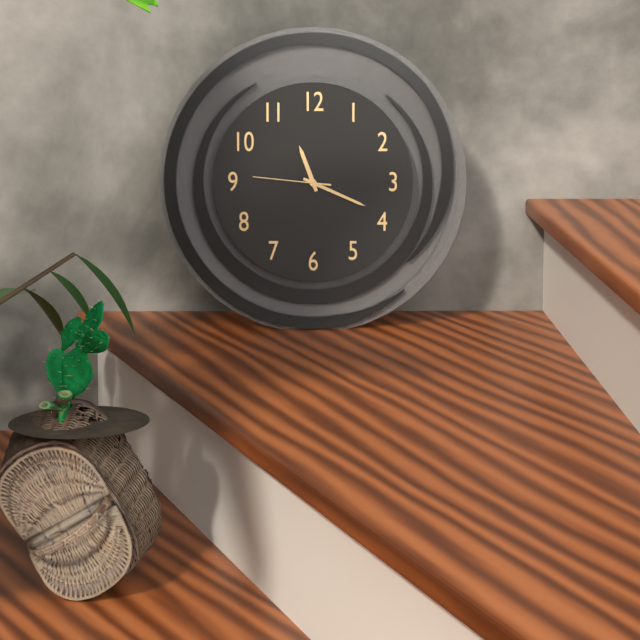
11:19:46
